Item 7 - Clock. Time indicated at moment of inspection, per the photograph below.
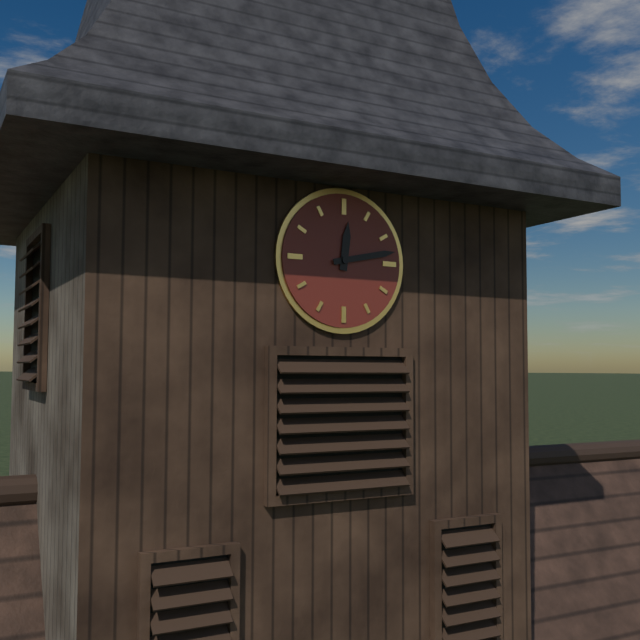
12:13
